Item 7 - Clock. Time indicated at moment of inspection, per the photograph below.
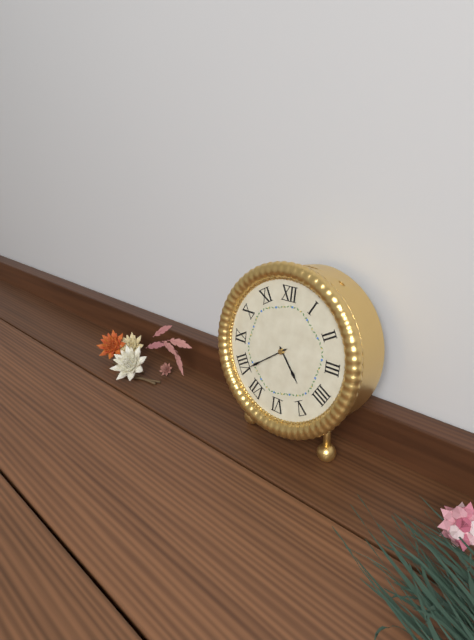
4:39
